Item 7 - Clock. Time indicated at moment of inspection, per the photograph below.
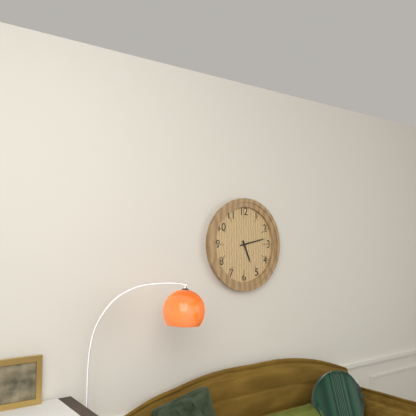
5:13
